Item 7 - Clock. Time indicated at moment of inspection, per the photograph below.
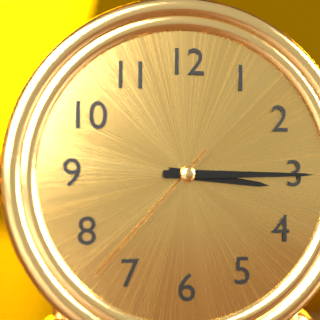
3:15:37
